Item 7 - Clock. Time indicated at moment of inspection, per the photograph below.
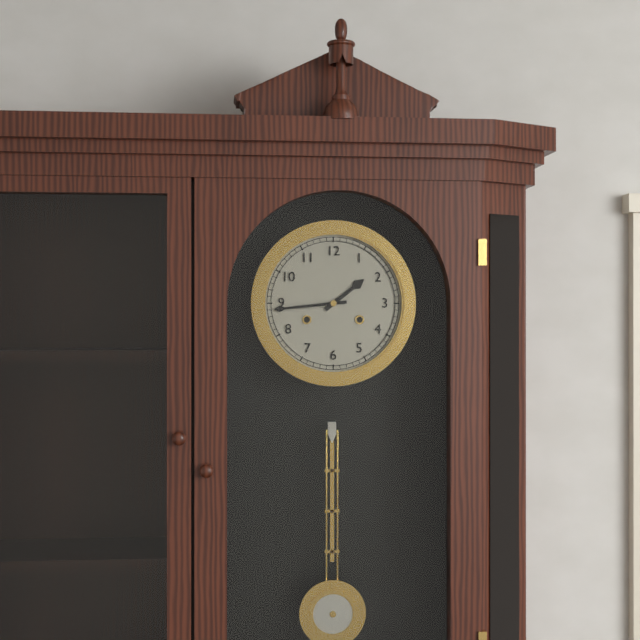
1:44
